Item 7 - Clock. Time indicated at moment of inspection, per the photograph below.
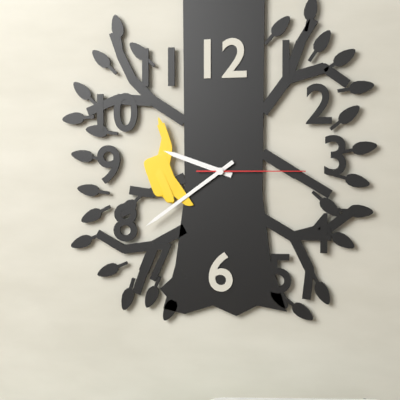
9:39:15
